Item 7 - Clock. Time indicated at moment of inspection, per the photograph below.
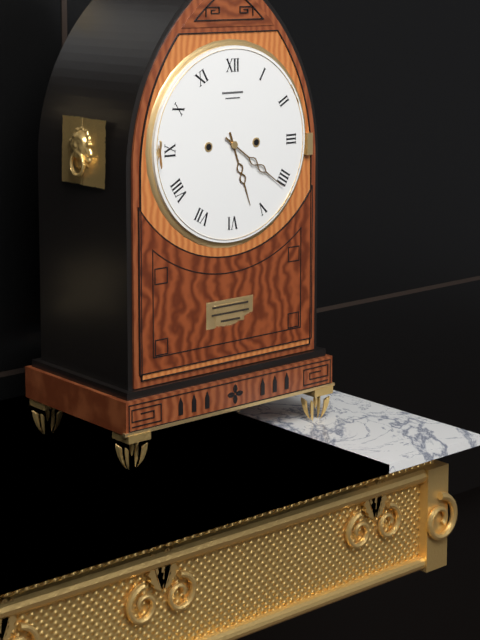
5:21
